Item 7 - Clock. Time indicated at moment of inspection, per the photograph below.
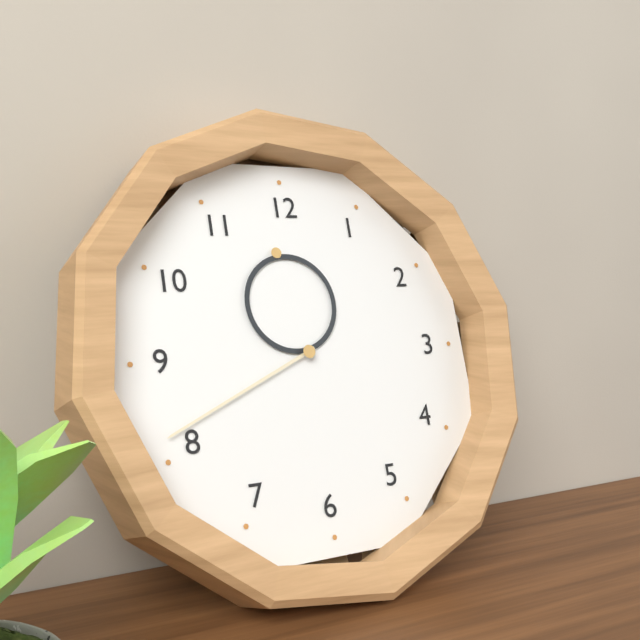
11:41
